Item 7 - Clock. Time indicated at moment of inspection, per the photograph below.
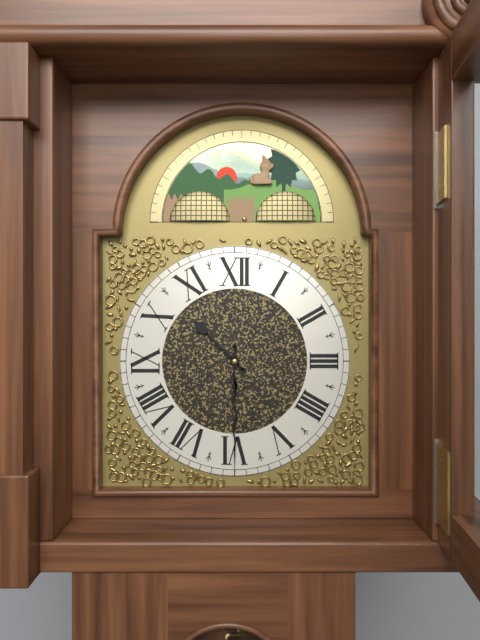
10:30
